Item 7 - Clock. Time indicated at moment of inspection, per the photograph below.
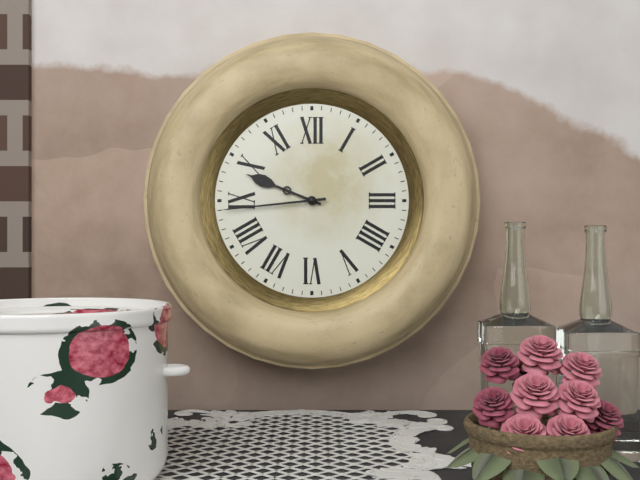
9:44
